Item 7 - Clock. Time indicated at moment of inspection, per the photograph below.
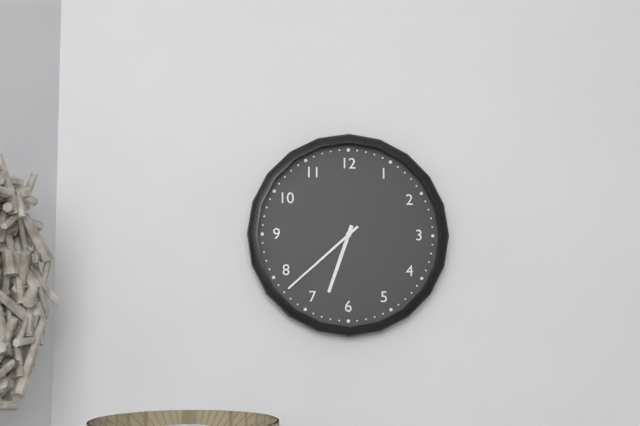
6:38
